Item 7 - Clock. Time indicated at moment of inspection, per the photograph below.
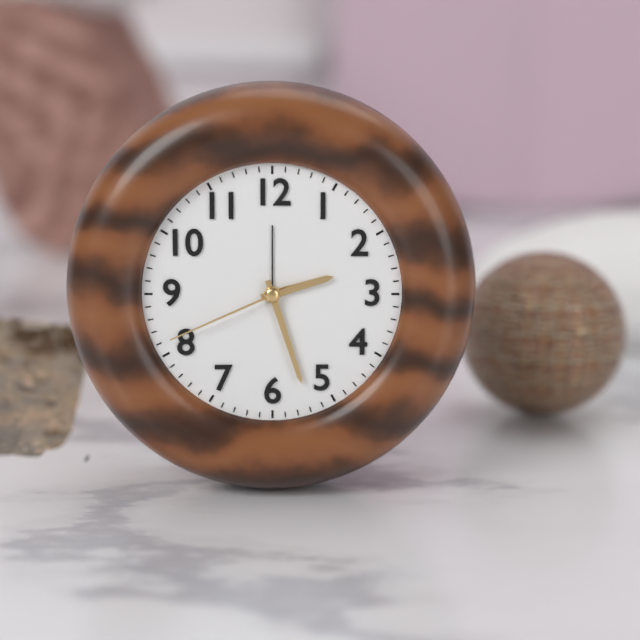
2:27:41
